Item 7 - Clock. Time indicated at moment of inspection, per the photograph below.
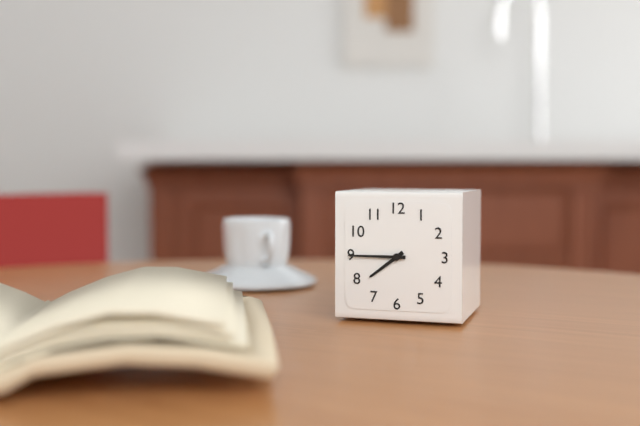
7:45
